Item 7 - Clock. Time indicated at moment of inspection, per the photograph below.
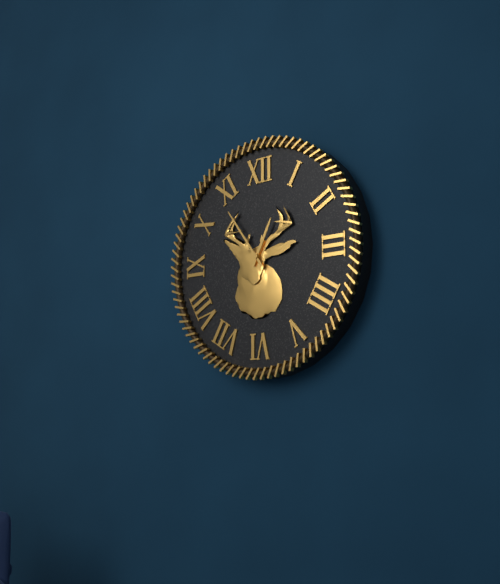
12:54
